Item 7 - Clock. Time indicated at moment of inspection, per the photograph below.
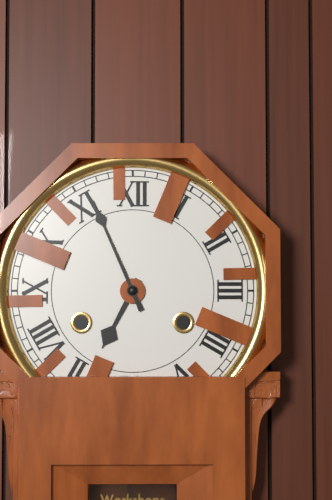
6:56
